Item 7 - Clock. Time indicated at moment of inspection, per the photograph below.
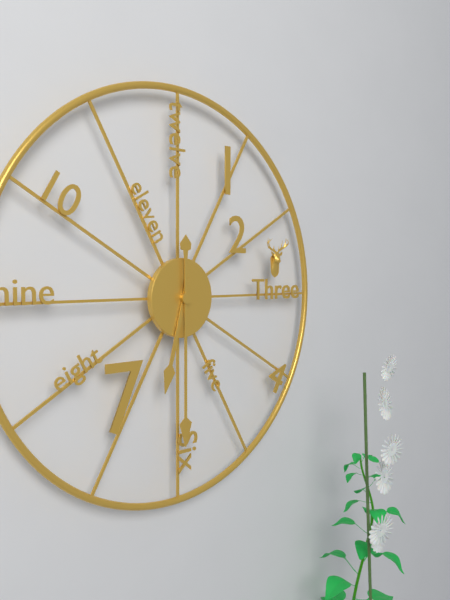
6:30
